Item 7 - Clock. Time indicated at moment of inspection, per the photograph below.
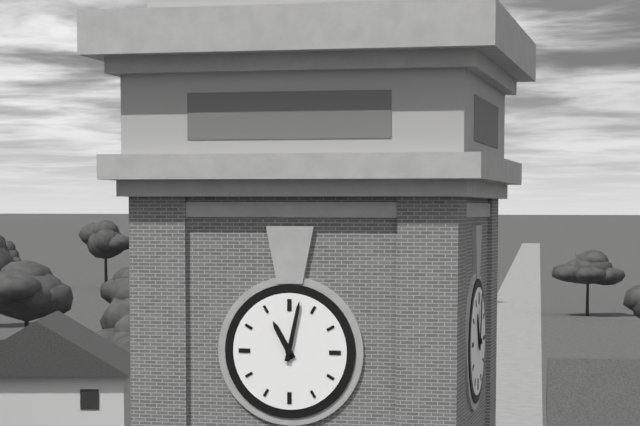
11:02
